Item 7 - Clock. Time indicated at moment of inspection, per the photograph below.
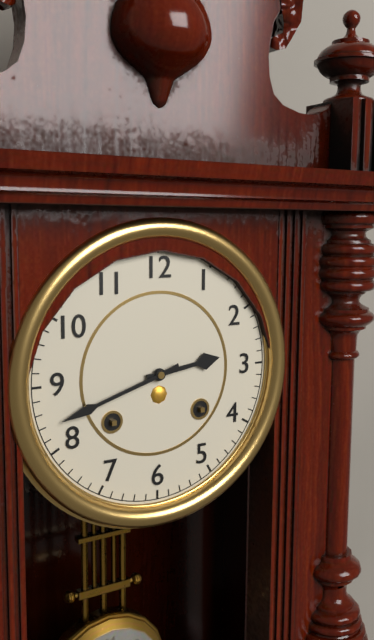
2:42
